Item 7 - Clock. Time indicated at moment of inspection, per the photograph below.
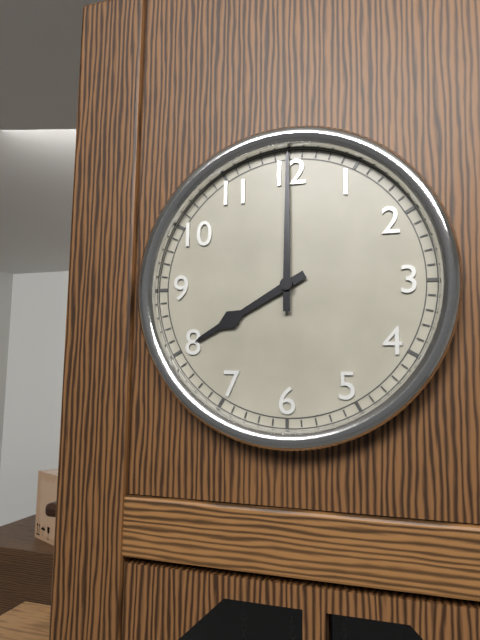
8:00
